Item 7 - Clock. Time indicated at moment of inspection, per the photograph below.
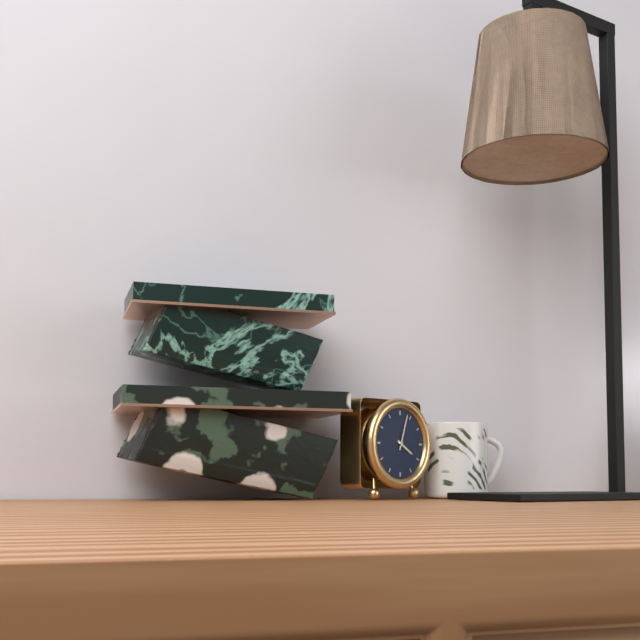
4:03
